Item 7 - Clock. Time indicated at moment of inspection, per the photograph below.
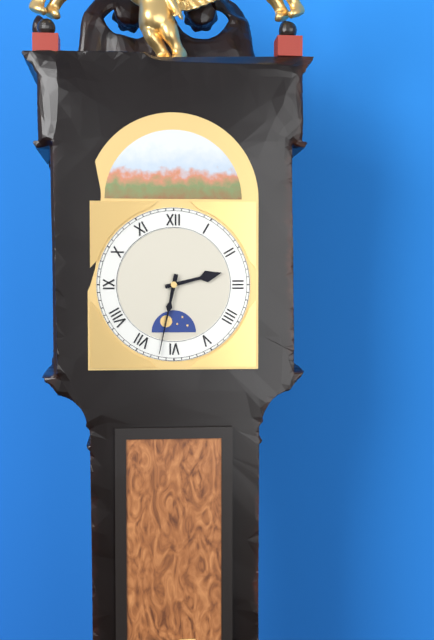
2:32
